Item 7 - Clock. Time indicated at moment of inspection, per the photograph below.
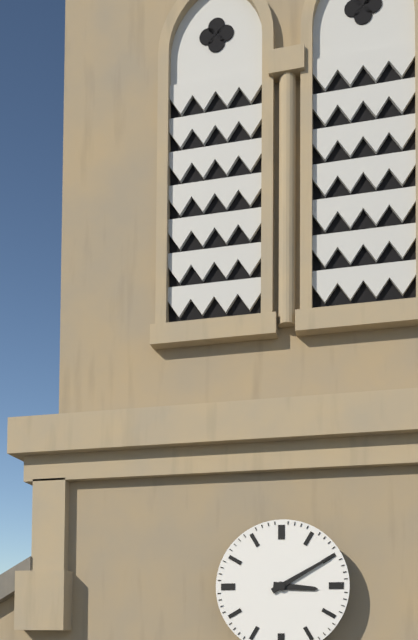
3:10
